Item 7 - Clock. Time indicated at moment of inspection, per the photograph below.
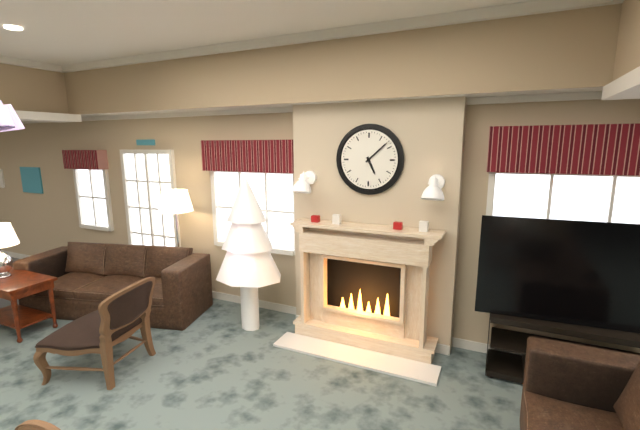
5:08
